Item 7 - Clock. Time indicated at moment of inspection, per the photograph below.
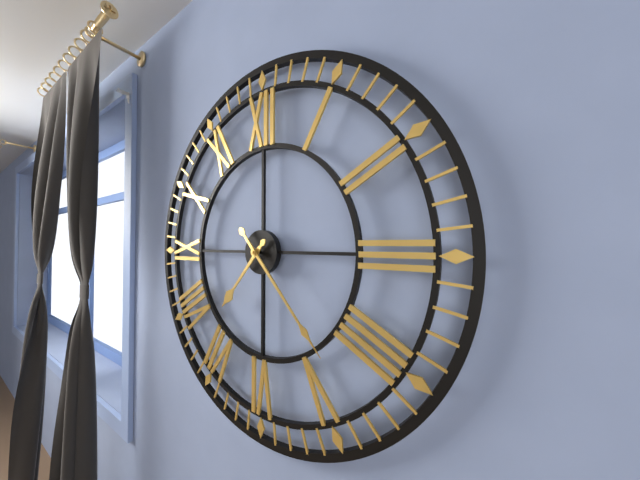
7:23
